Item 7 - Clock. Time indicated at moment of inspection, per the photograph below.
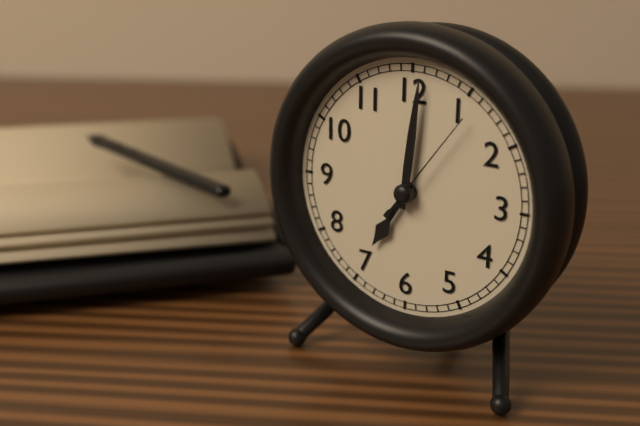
7:01:06
